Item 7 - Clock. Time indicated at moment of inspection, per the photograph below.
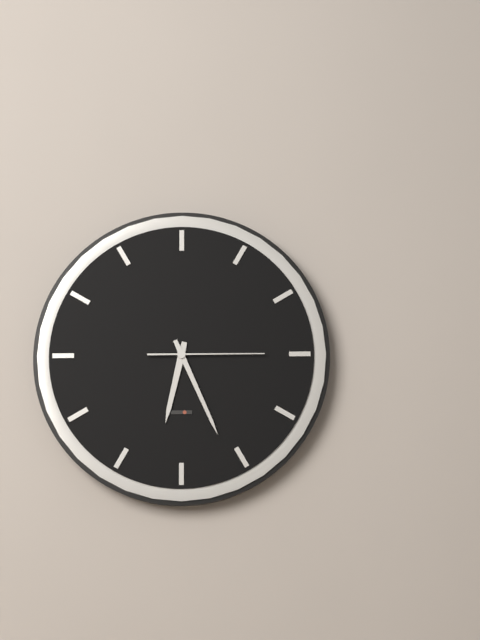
6:26:15
